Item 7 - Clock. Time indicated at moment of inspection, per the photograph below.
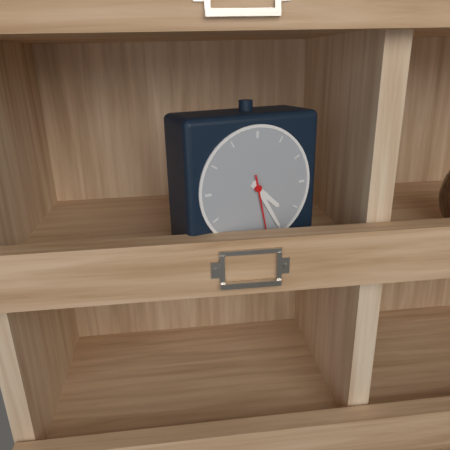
4:25:28
